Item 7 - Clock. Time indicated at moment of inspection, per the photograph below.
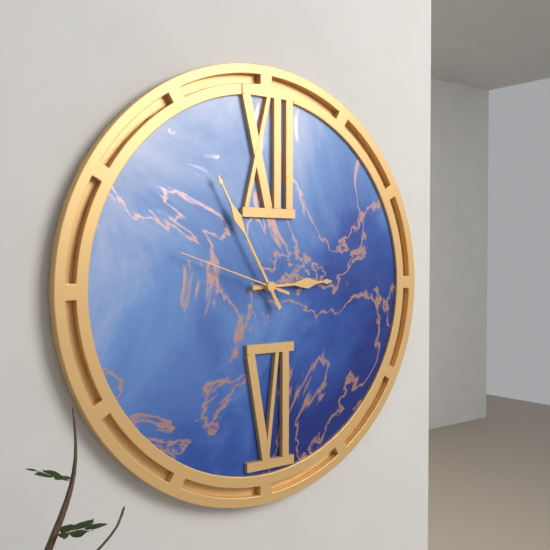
2:55:48
